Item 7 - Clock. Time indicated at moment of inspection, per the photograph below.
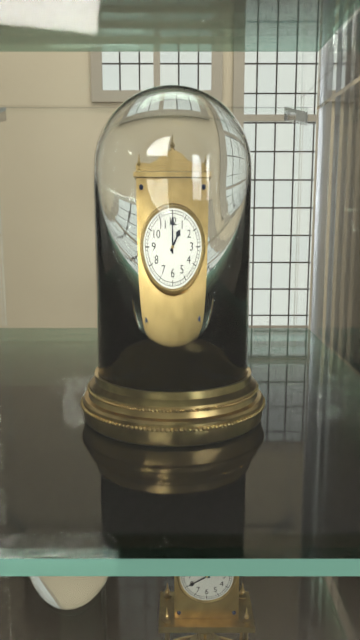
1:00
